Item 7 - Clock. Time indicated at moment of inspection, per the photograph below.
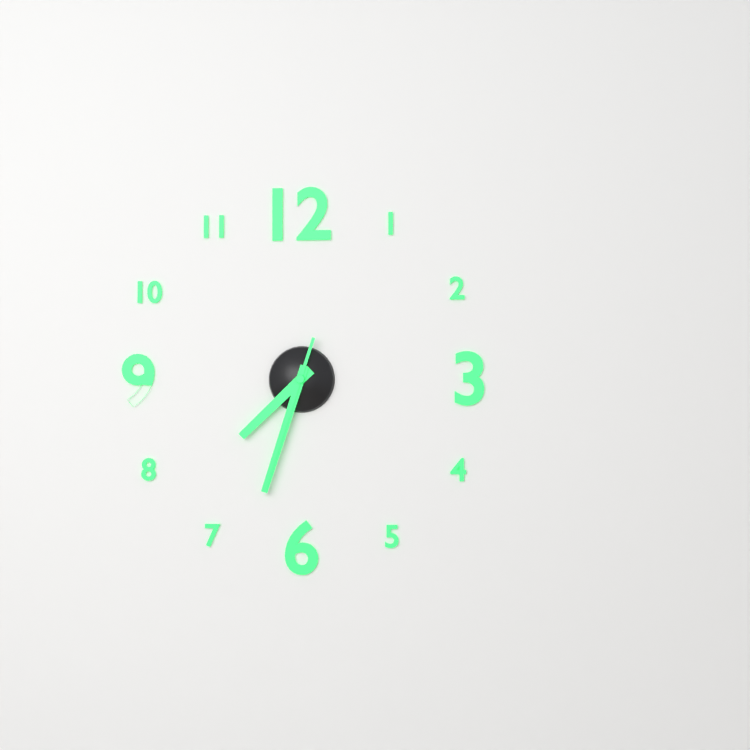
7:33:33
